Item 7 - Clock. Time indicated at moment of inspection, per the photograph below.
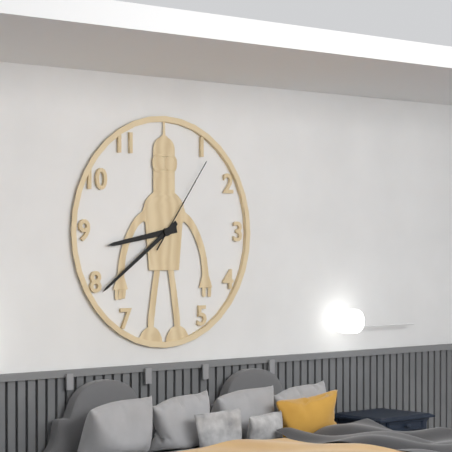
8:39:06
